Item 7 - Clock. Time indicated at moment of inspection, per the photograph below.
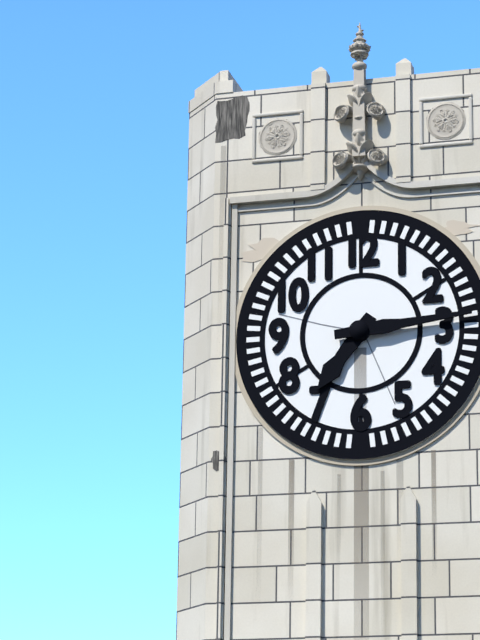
7:14
